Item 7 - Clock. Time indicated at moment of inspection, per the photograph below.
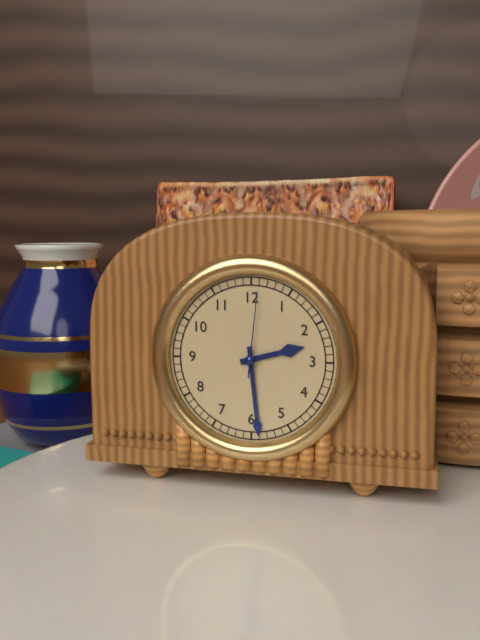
2:29:01
